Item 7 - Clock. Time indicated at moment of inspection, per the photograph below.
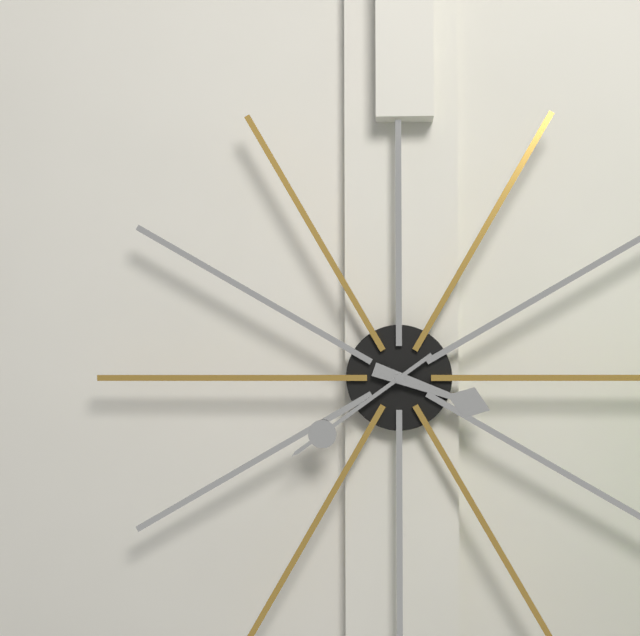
3:39
